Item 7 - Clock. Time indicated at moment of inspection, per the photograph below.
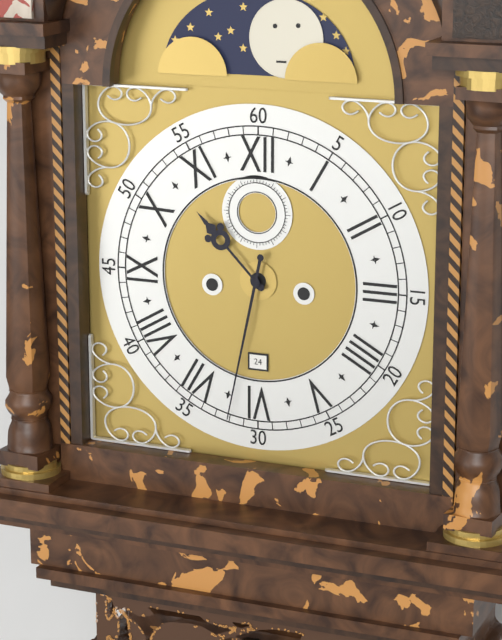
10:32
